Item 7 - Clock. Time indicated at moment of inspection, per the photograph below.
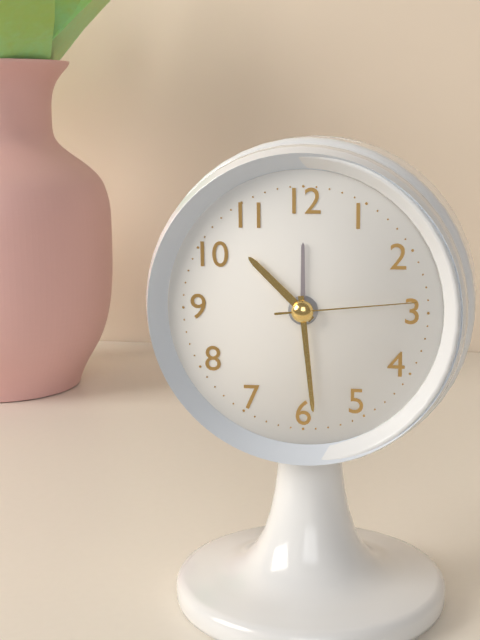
10:29:14
